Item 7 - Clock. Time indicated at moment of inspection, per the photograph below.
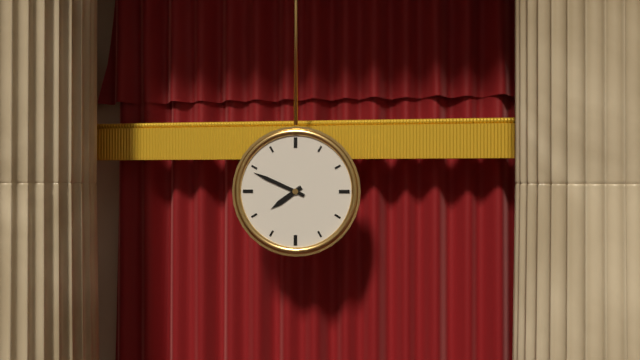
7:49
